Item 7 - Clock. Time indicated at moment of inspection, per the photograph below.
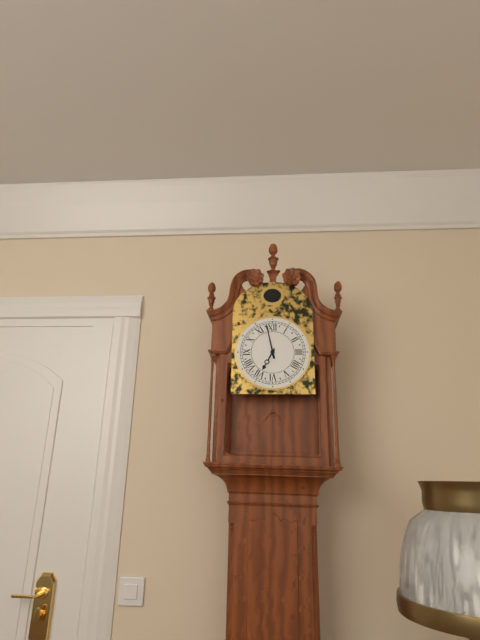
6:58
